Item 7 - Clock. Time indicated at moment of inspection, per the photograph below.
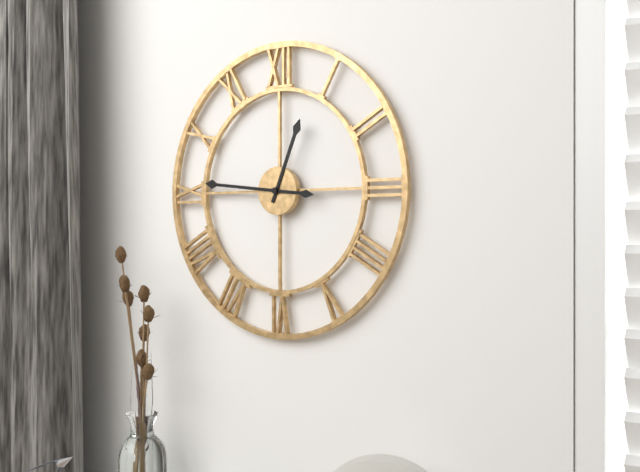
12:46
